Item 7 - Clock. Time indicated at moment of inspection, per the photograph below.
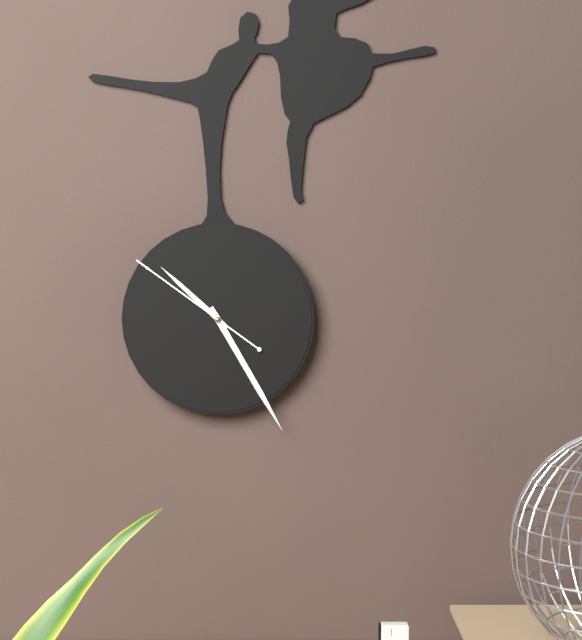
10:25:51
